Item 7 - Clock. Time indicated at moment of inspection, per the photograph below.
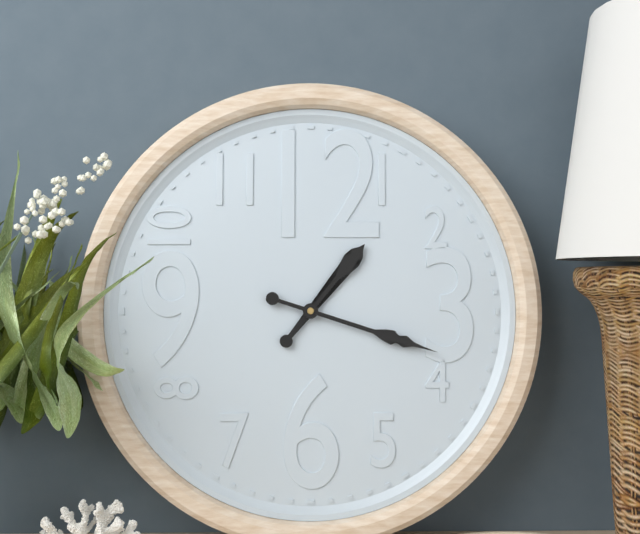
1:18
